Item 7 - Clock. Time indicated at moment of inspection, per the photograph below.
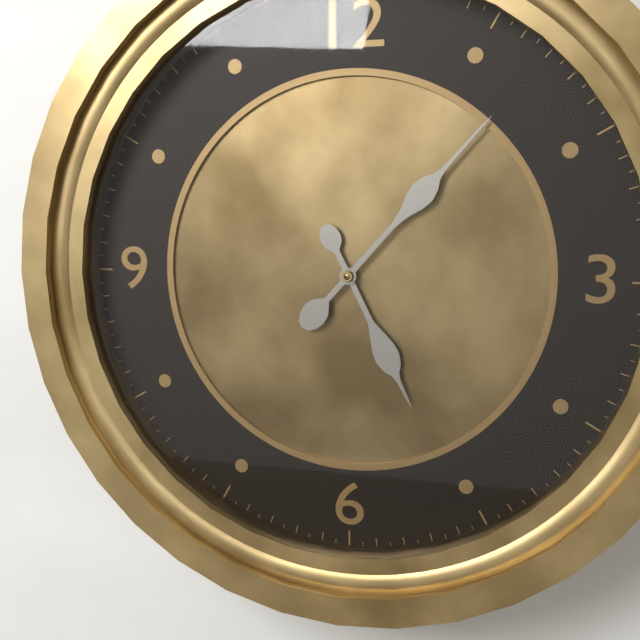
5:07
